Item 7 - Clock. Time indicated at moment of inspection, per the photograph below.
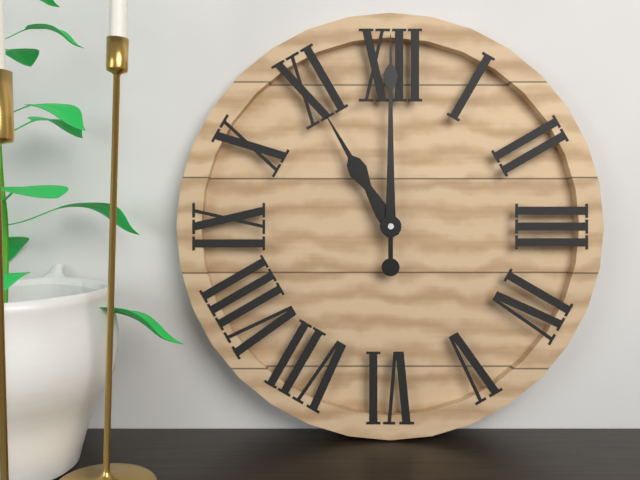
11:00
